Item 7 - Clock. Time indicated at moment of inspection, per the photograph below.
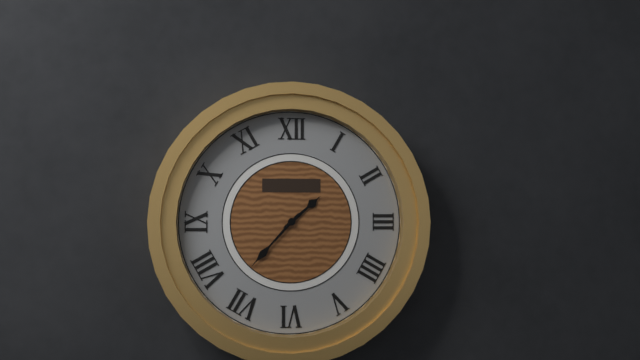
1:37
